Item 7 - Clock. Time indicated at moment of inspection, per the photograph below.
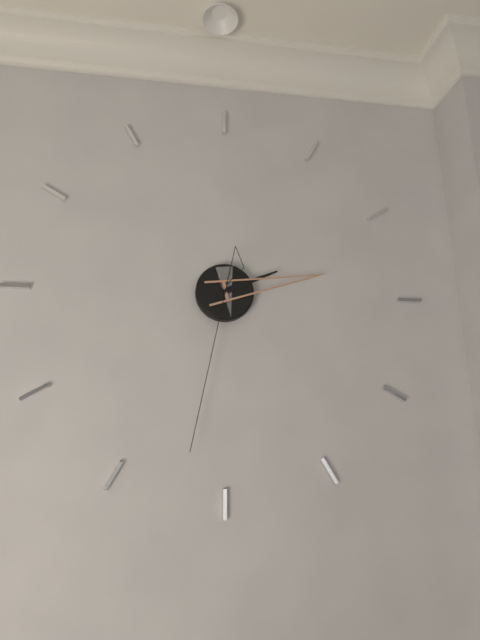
2:13:32
